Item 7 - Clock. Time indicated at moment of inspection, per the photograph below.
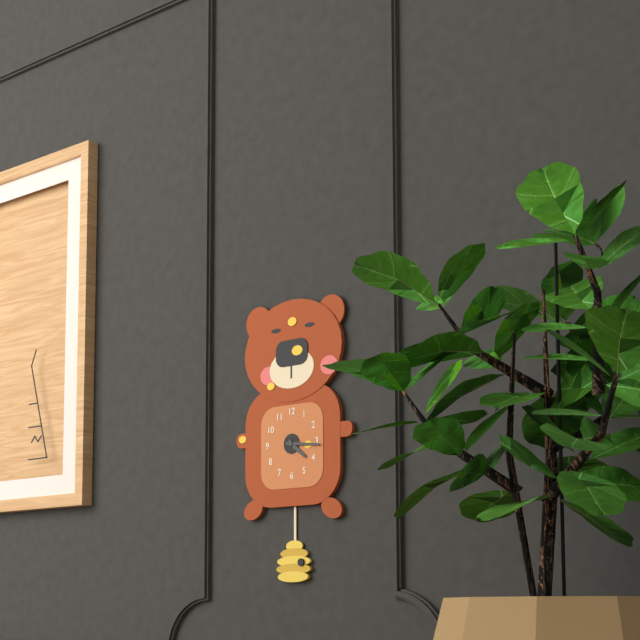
4:16
